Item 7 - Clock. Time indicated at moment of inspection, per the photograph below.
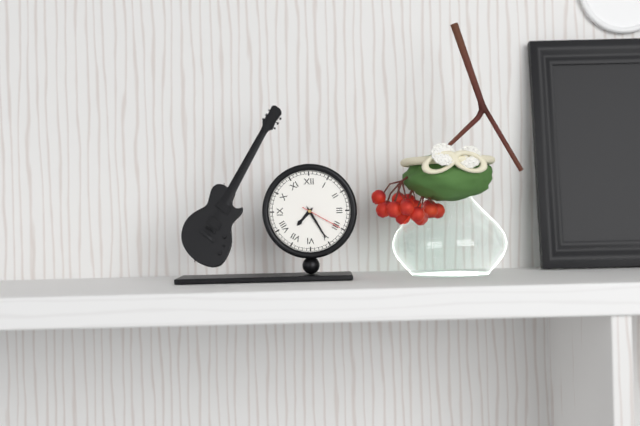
7:25
